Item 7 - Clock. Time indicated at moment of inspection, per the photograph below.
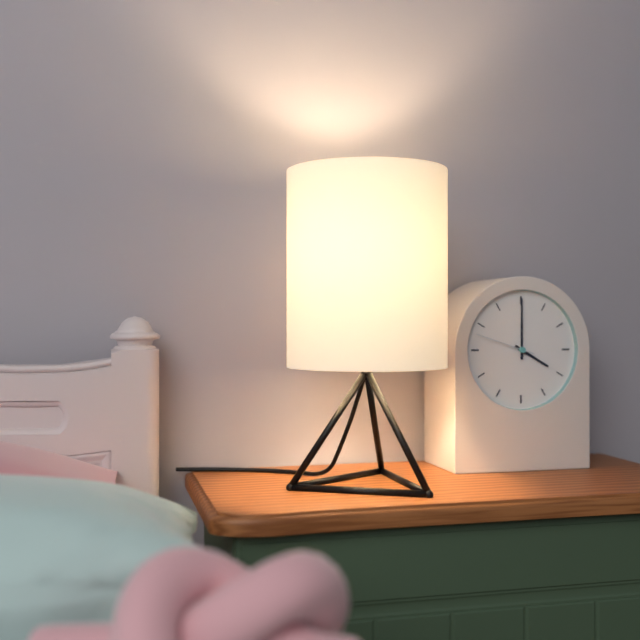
4:00:48
